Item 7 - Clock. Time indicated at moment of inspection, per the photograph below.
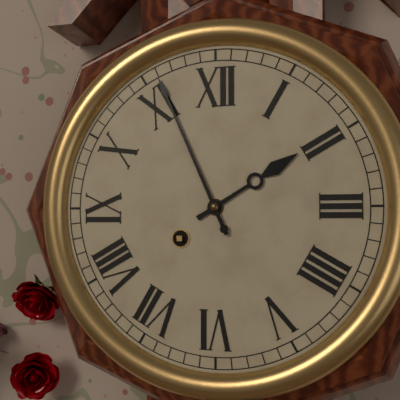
1:56
